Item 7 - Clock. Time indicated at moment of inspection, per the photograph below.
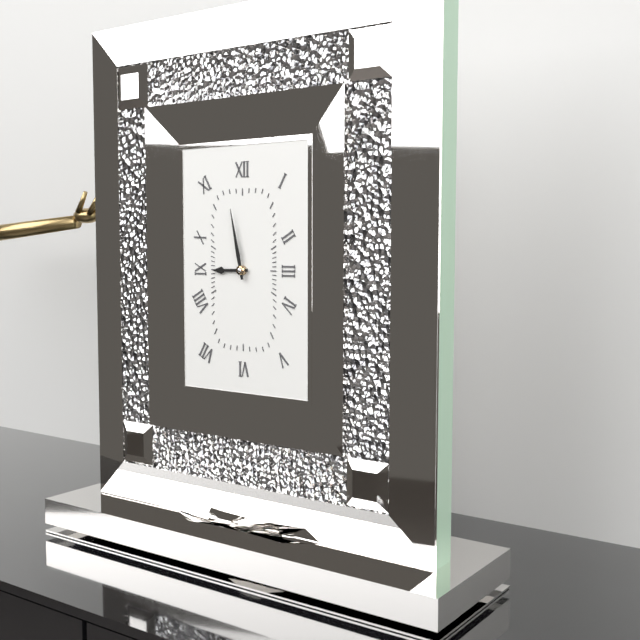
8:58
